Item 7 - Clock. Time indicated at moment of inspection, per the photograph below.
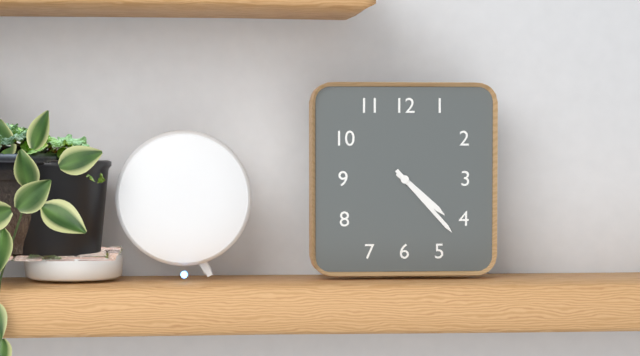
4:23
